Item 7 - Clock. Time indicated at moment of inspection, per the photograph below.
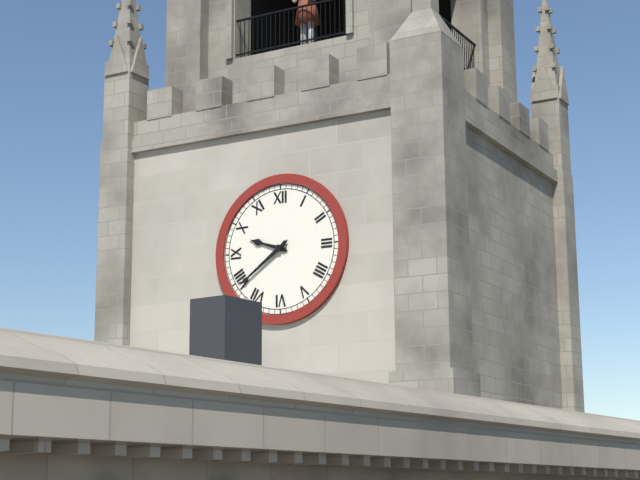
9:39
